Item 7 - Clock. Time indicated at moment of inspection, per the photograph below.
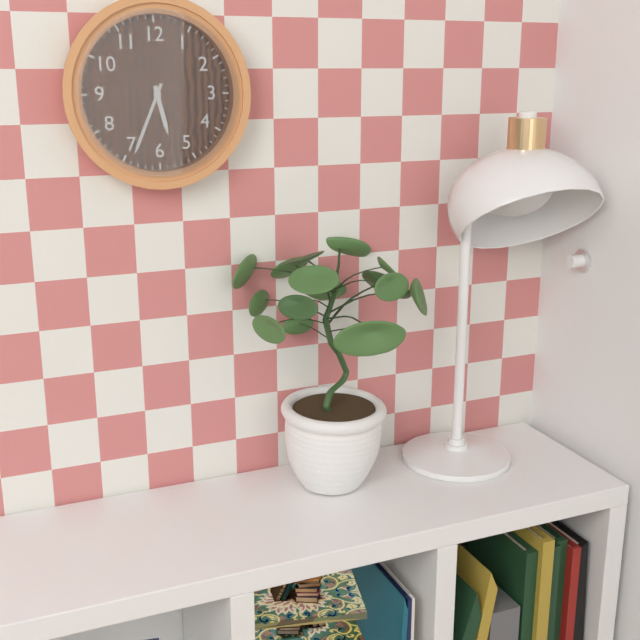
5:34
